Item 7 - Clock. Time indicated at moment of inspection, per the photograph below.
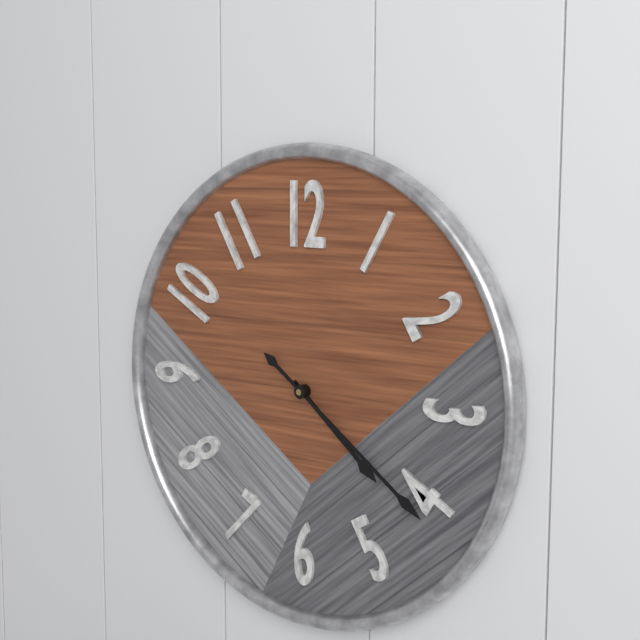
4:21
